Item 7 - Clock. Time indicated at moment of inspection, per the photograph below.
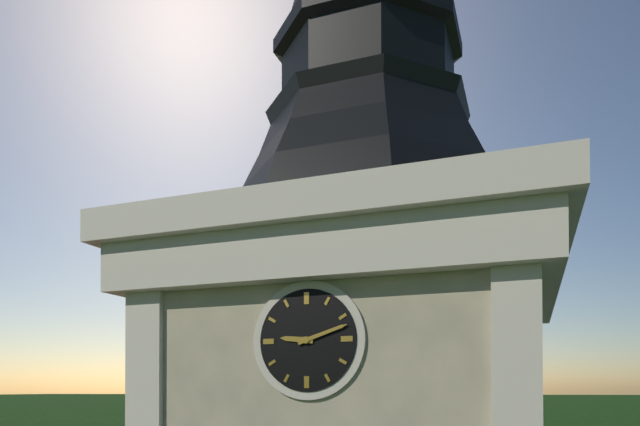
9:12
